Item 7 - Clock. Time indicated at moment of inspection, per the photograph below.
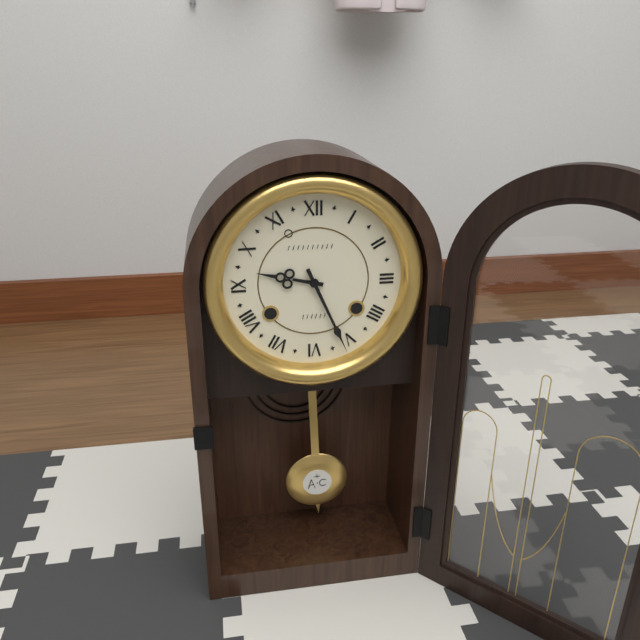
9:26
